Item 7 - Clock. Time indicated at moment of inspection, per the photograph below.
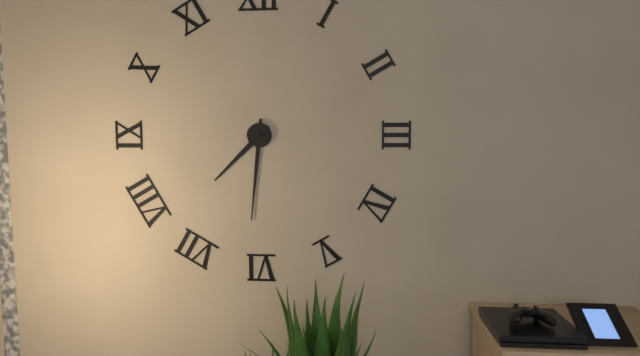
7:31
